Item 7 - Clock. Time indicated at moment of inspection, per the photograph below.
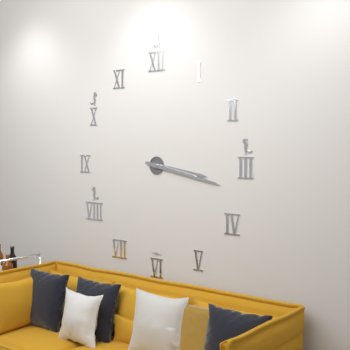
3:17
